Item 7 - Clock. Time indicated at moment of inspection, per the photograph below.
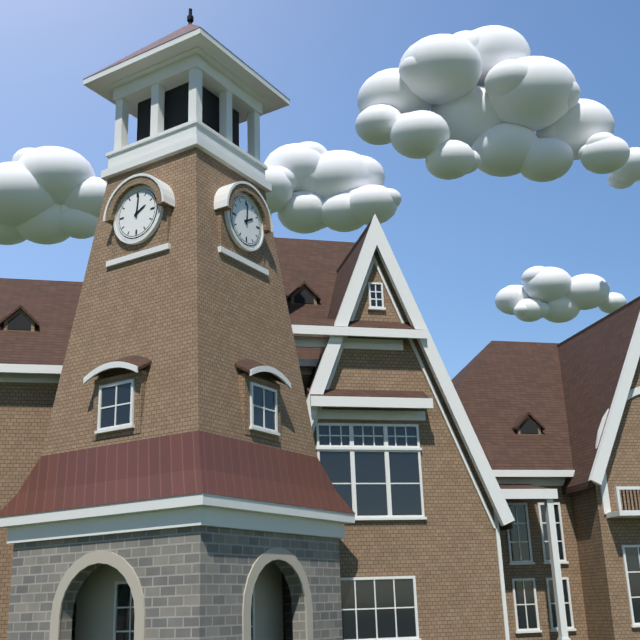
2:01
